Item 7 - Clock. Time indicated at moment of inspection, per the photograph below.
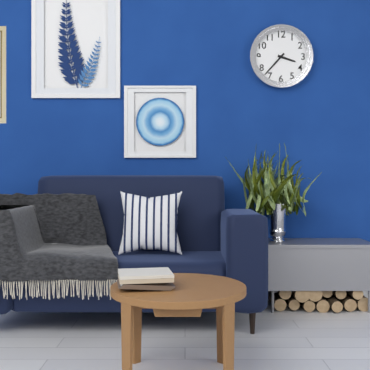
3:37
